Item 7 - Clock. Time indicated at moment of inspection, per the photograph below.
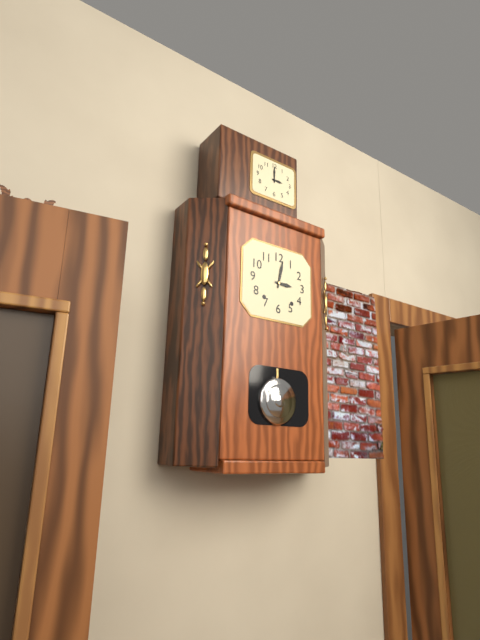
3:02
